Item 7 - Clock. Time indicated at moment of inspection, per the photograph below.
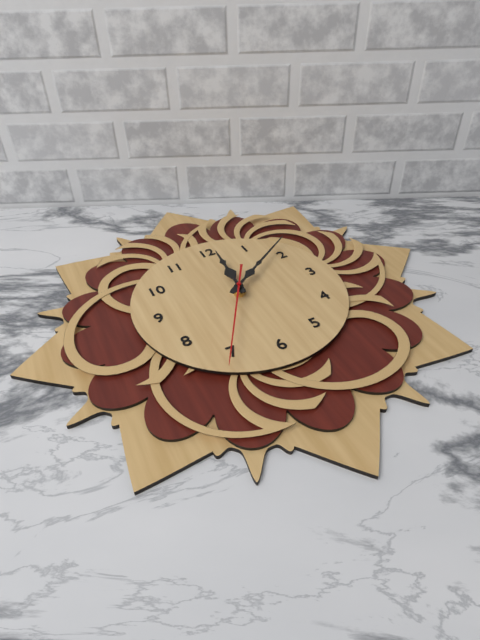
12:09:35
